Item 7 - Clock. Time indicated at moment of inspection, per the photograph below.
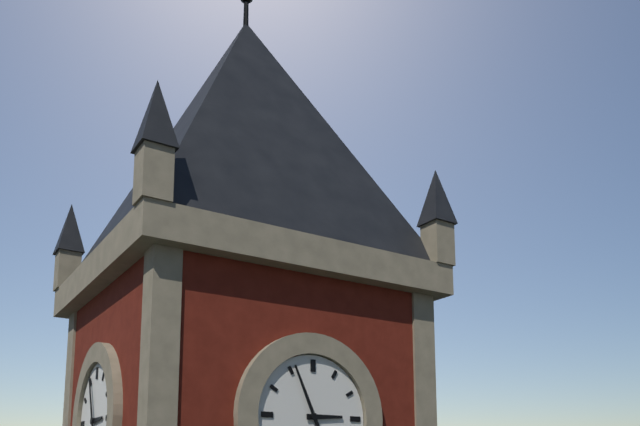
2:56
